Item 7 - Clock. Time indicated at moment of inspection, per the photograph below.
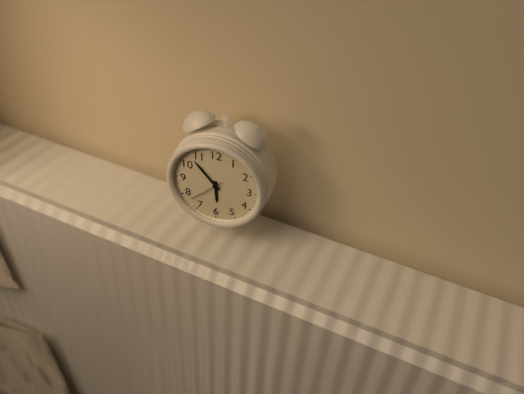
5:53
